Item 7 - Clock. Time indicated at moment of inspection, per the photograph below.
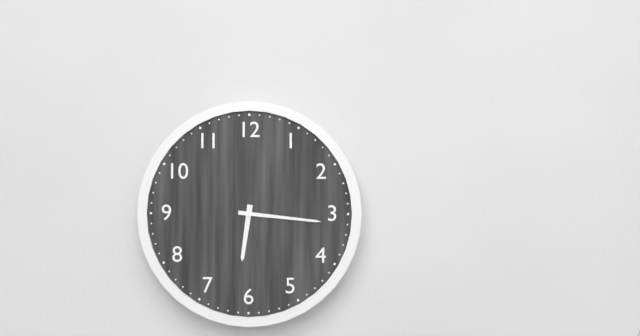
6:16
